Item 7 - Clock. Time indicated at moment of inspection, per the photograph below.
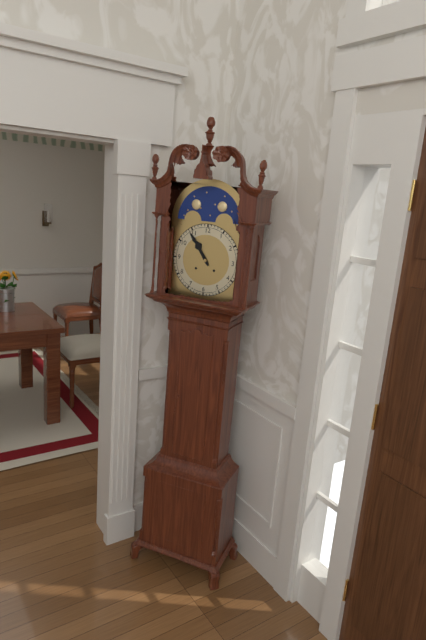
10:54
